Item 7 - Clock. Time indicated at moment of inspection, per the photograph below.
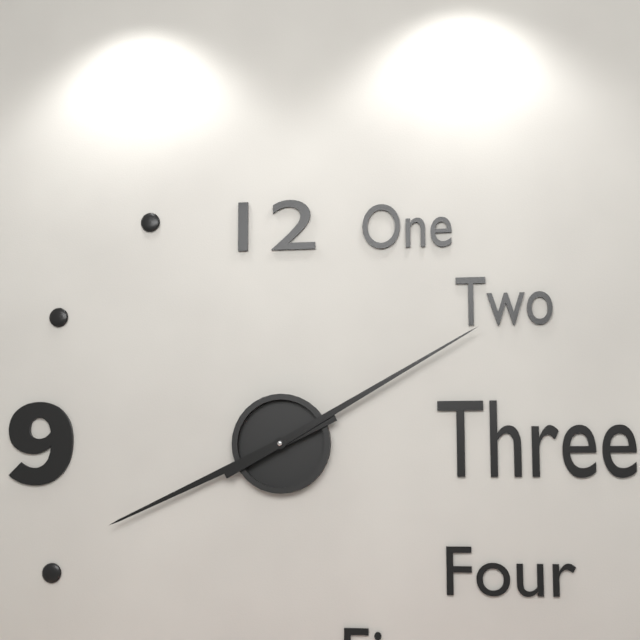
8:10
